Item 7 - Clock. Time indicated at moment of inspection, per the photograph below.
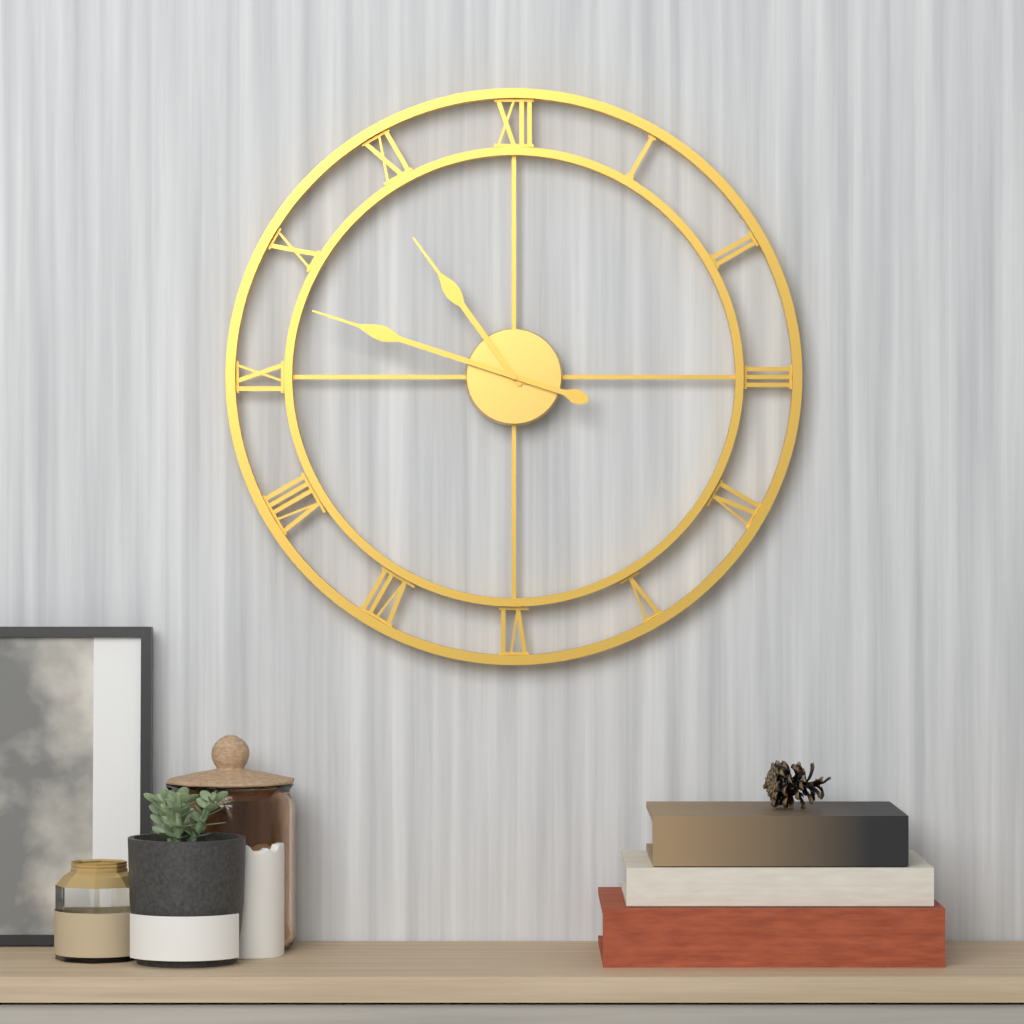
10:48
